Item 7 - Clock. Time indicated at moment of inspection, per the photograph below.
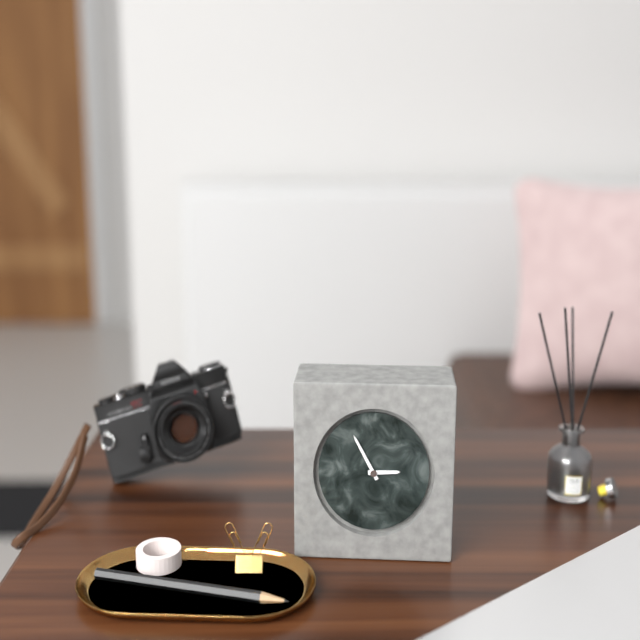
2:55
